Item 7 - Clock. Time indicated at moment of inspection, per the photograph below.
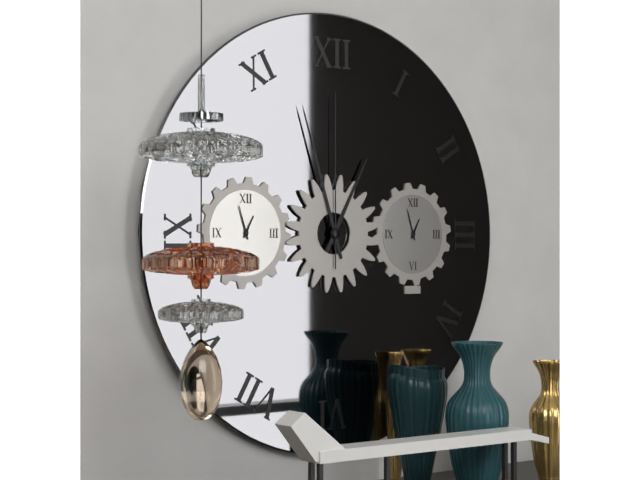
12:57:00
